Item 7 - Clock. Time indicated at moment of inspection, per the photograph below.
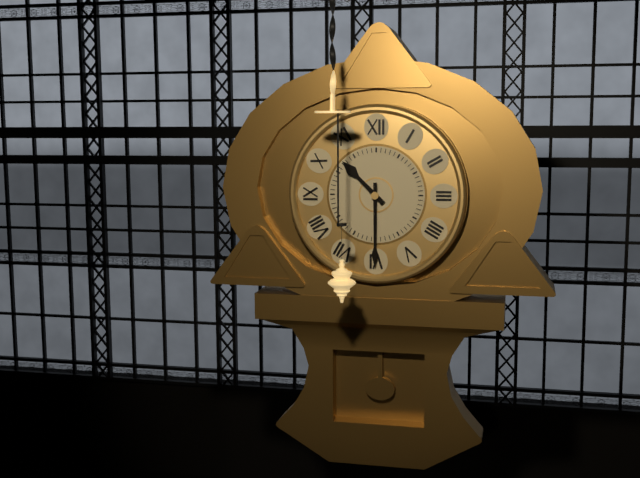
10:30
